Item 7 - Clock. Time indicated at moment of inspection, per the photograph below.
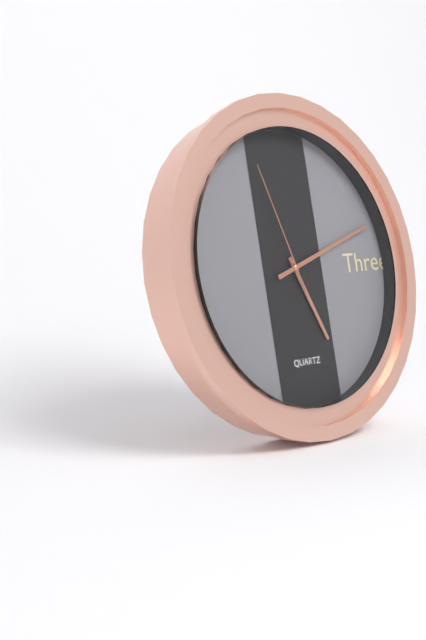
5:12:57
